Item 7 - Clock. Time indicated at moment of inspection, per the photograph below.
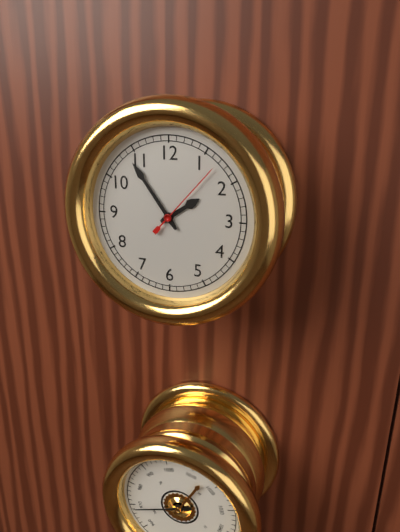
1:54:07
